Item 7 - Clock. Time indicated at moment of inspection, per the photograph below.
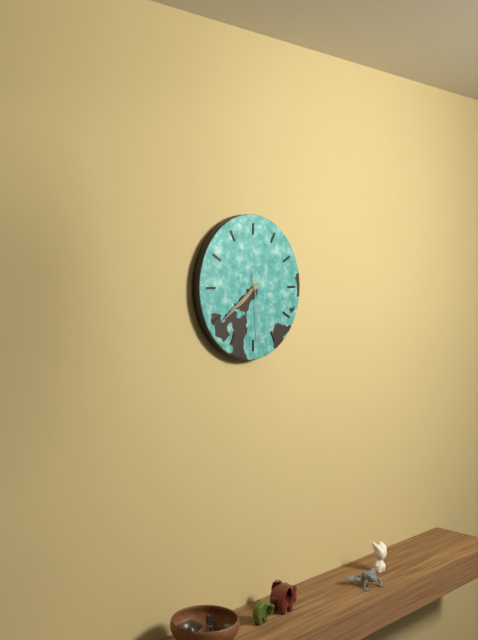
7:39:29
